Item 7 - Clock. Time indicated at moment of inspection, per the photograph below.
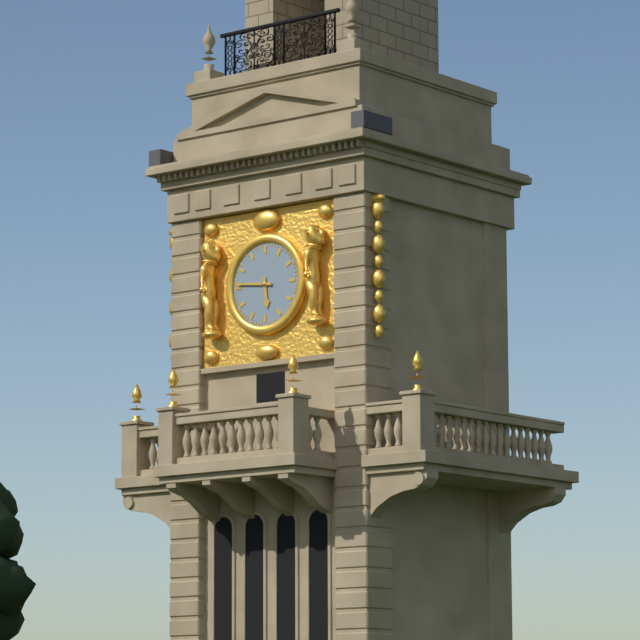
5:46
